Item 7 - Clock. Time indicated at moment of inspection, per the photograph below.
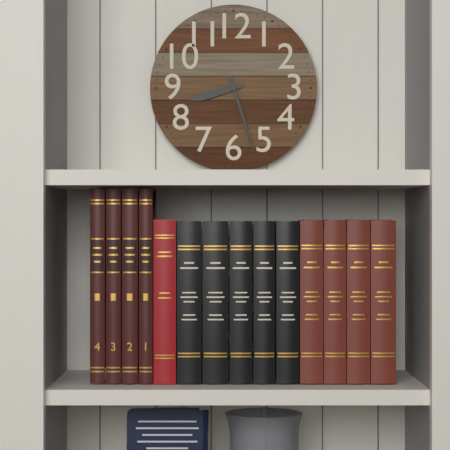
8:27
